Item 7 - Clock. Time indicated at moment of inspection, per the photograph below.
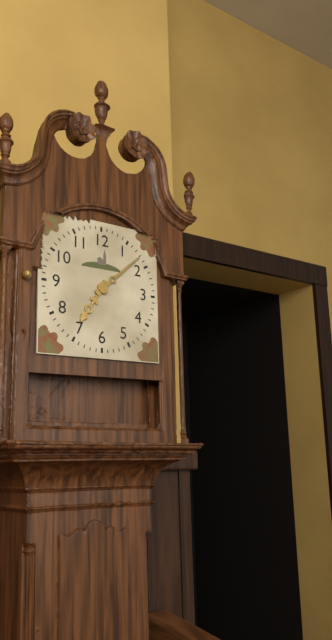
7:08
